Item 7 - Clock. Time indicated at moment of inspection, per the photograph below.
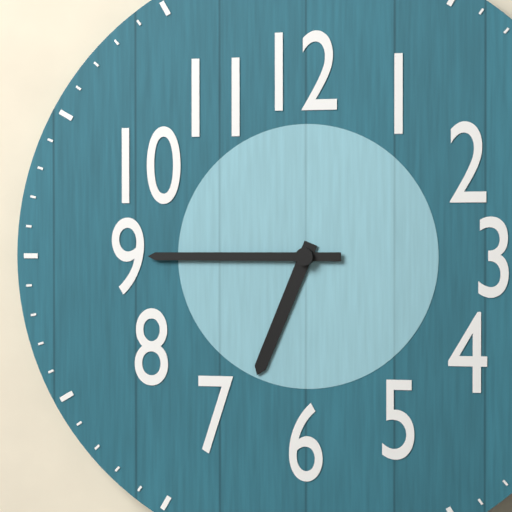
6:45
